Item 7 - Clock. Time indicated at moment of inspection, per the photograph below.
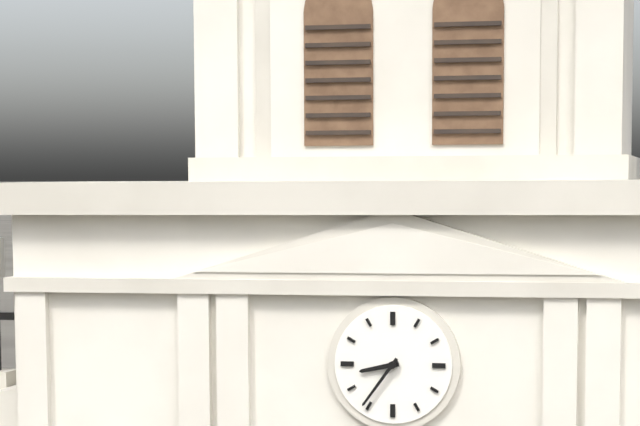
8:36
